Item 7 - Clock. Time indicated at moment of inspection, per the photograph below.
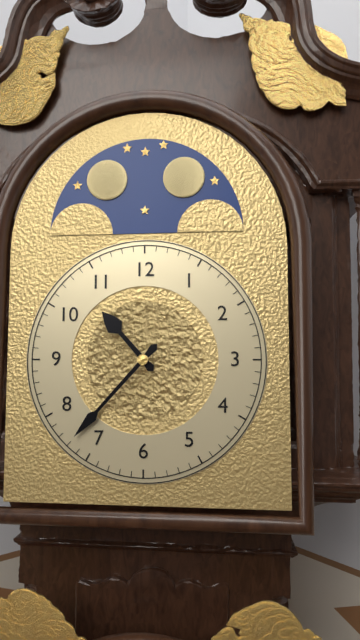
10:37
